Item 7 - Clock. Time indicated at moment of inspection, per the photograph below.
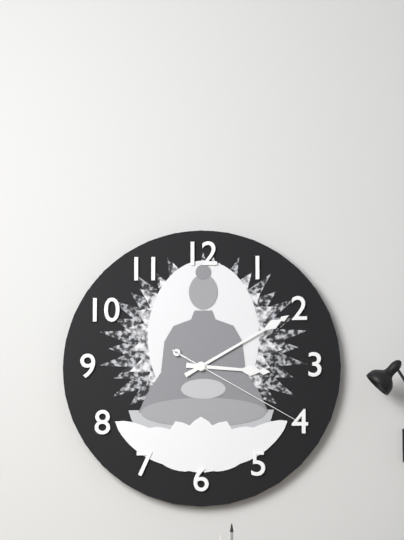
3:10:20
